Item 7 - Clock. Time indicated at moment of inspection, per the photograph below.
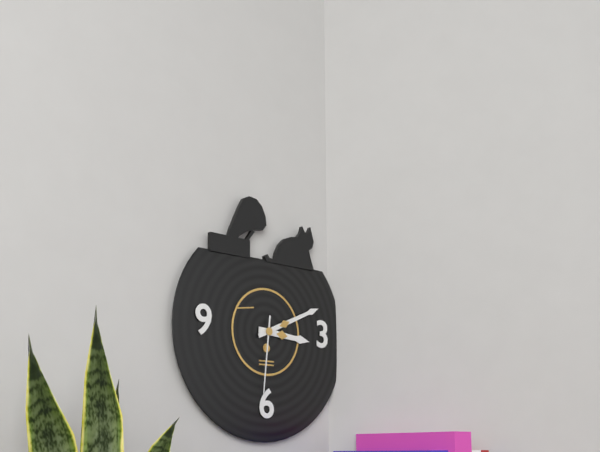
3:11:31
